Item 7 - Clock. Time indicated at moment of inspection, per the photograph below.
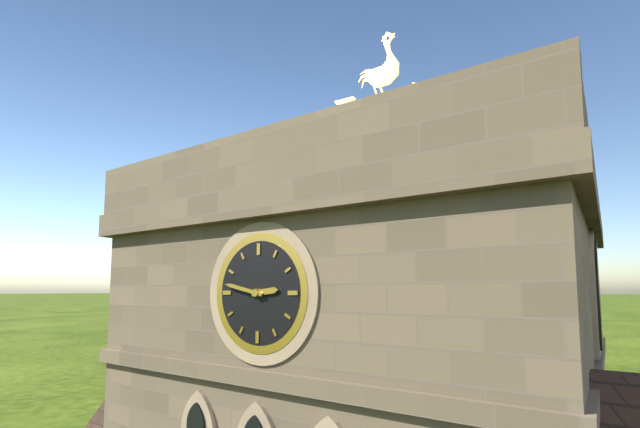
2:47
